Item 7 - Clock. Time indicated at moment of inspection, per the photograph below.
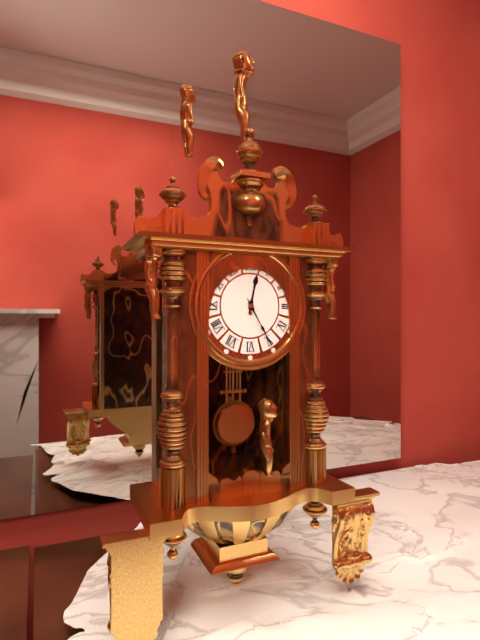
12:25
